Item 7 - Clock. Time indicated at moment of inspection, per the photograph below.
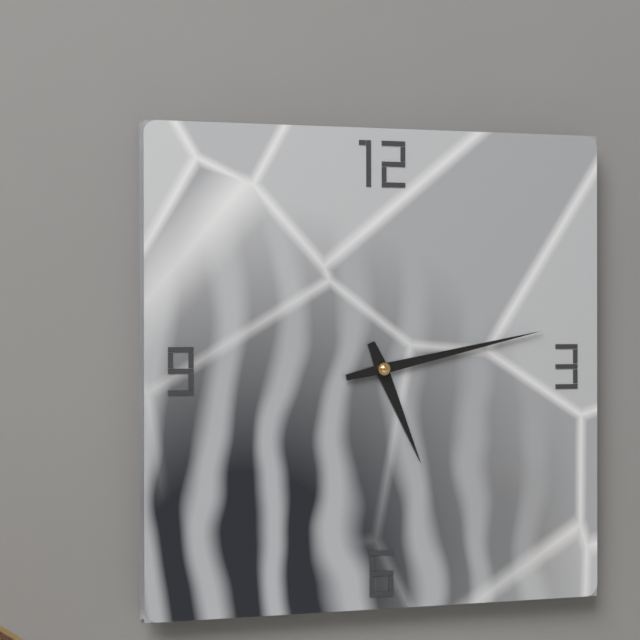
5:13
